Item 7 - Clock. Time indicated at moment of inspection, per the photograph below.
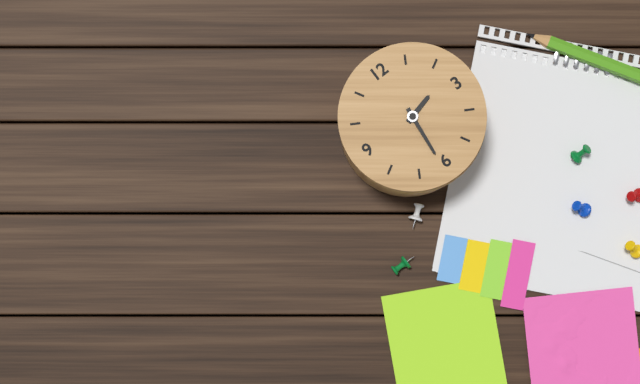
2:31
